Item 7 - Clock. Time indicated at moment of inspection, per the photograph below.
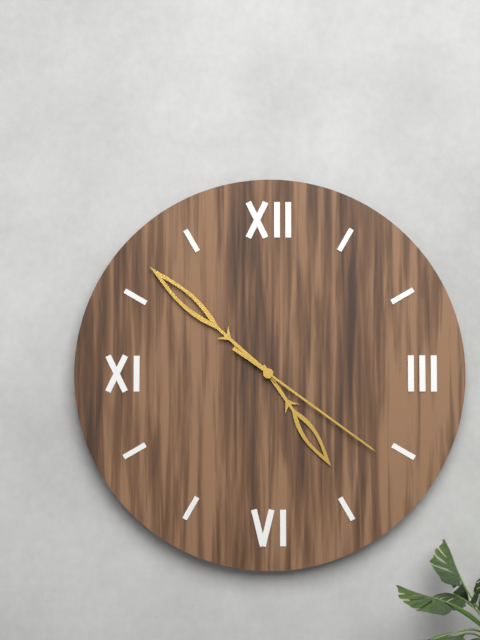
4:52:21
